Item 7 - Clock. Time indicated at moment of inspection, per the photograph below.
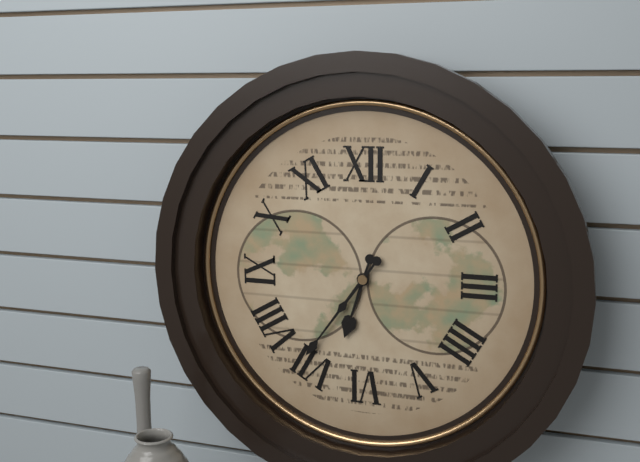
6:36
